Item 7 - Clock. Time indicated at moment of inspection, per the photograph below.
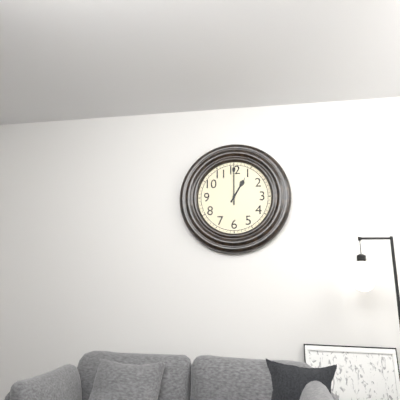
1:00
